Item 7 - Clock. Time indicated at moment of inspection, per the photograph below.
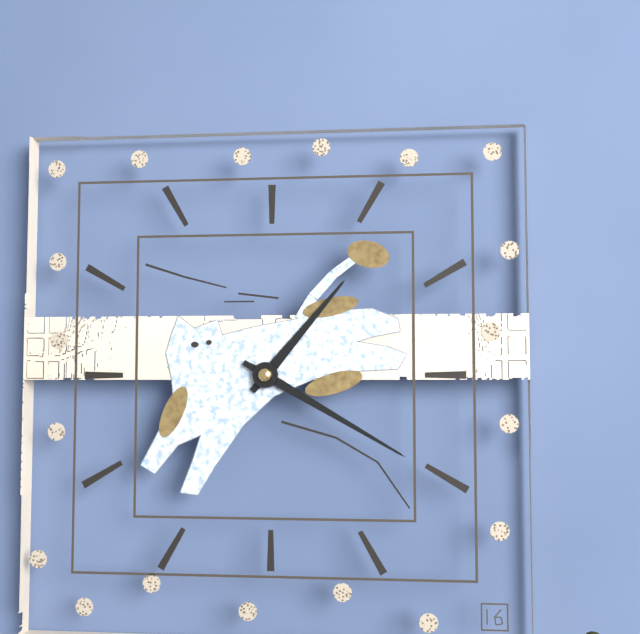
1:20
